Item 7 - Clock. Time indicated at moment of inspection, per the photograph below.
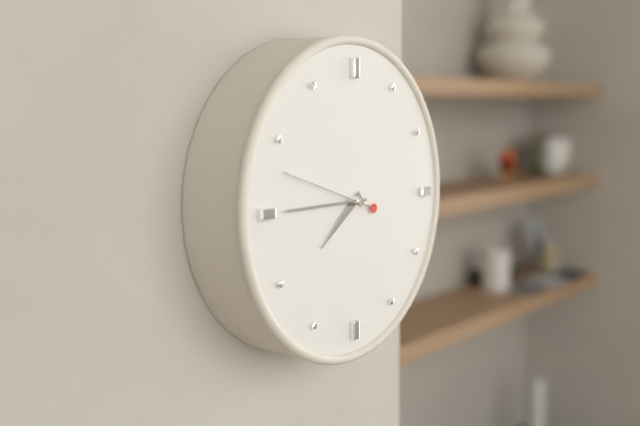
7:45:48
